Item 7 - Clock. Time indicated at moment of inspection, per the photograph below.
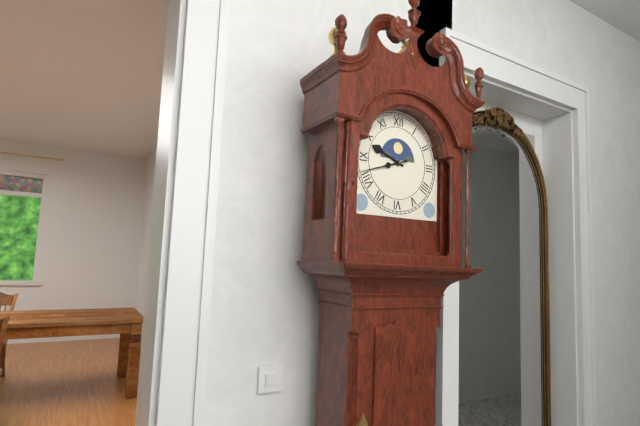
9:42
